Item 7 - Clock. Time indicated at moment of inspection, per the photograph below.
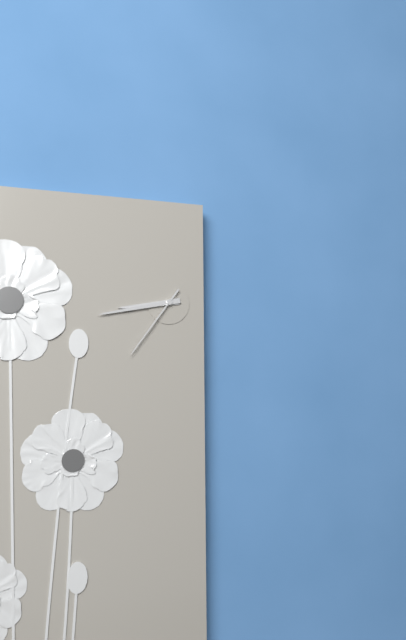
8:43:36
